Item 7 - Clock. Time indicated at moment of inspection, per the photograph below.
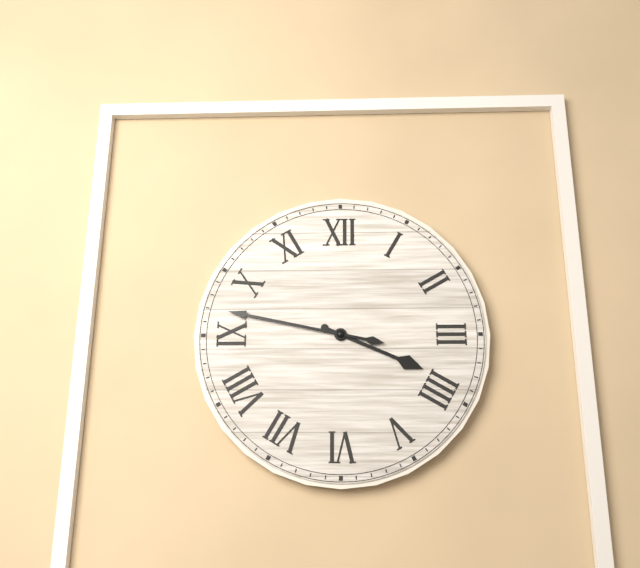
3:47
